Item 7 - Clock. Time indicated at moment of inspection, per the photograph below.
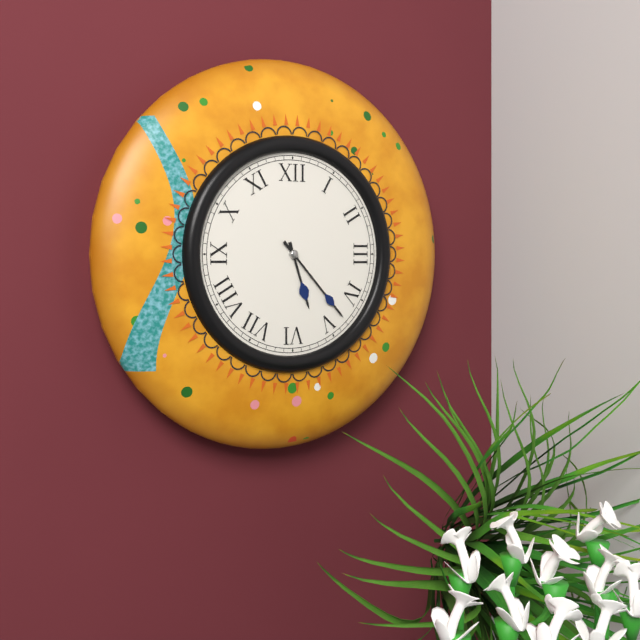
5:23
